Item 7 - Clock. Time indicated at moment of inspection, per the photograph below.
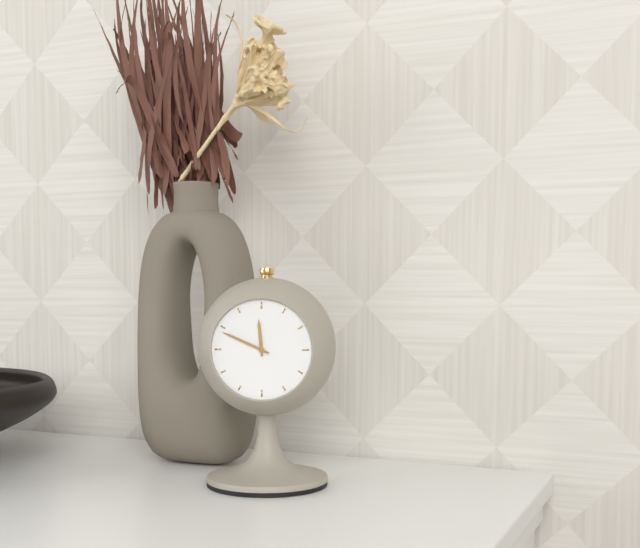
11:49
